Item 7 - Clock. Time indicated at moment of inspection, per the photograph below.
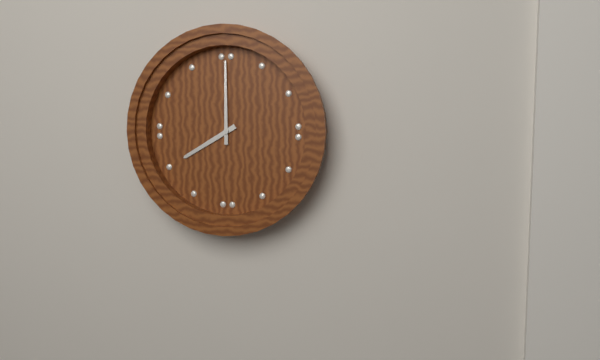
8:00
